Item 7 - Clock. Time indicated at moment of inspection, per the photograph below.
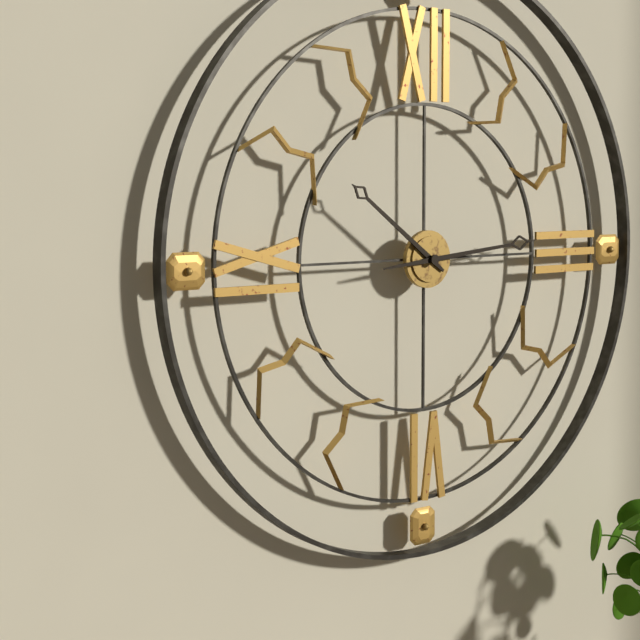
10:14
